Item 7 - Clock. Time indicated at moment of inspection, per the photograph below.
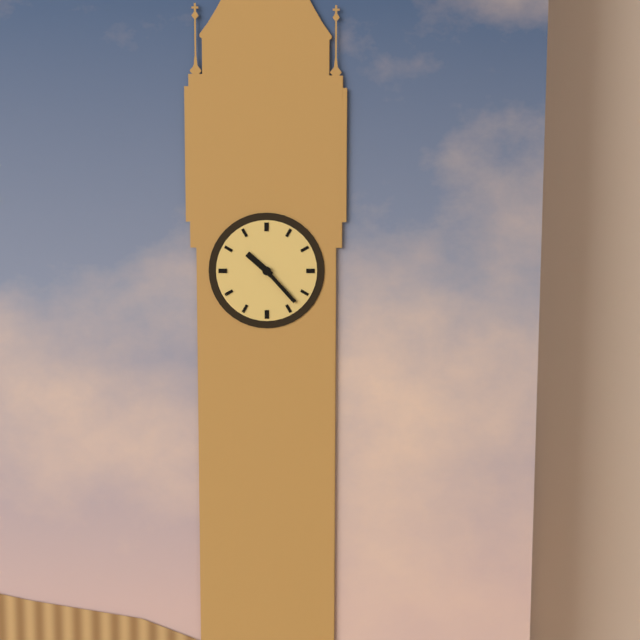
10:23
